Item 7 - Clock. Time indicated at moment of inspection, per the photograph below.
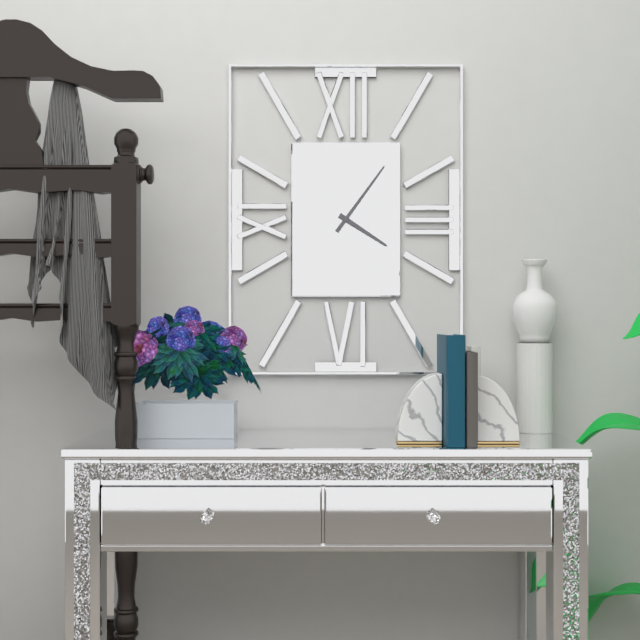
4:06
